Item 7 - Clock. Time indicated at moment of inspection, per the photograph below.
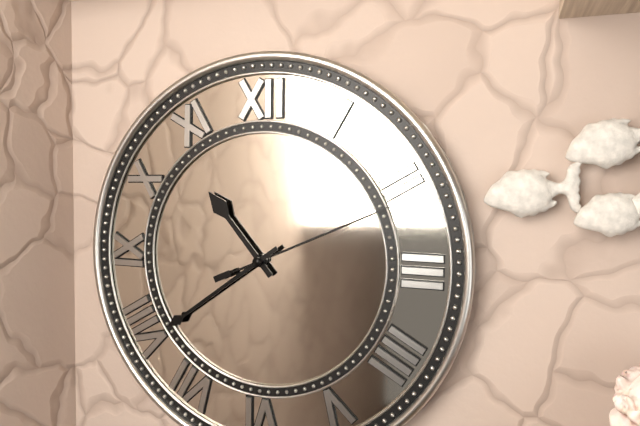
10:39:11
